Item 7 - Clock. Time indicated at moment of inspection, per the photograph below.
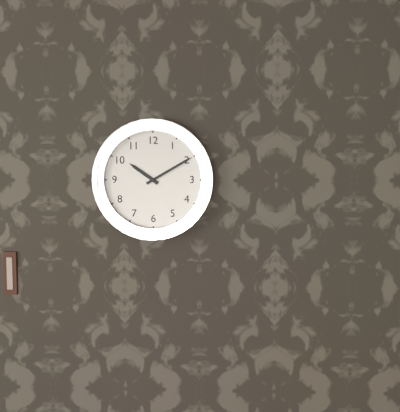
10:10
